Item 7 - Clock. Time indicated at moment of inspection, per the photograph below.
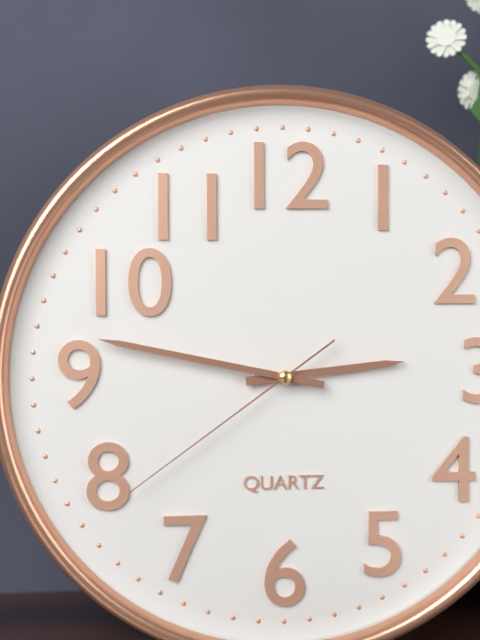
2:47:39
